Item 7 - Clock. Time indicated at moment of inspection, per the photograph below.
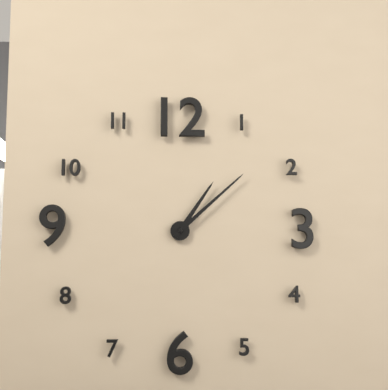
1:08
